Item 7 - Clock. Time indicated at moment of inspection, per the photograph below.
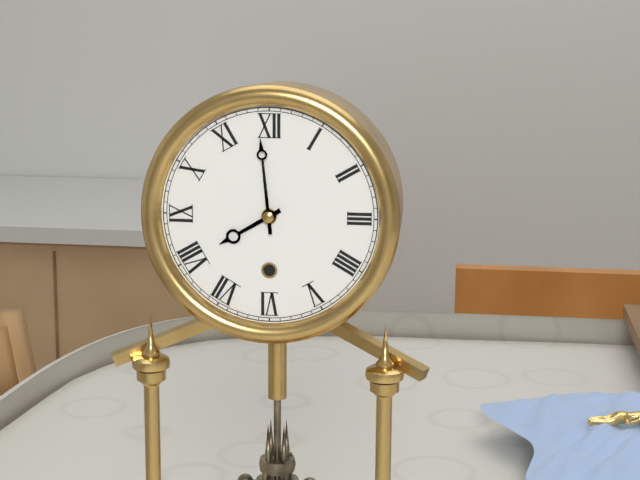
7:59
